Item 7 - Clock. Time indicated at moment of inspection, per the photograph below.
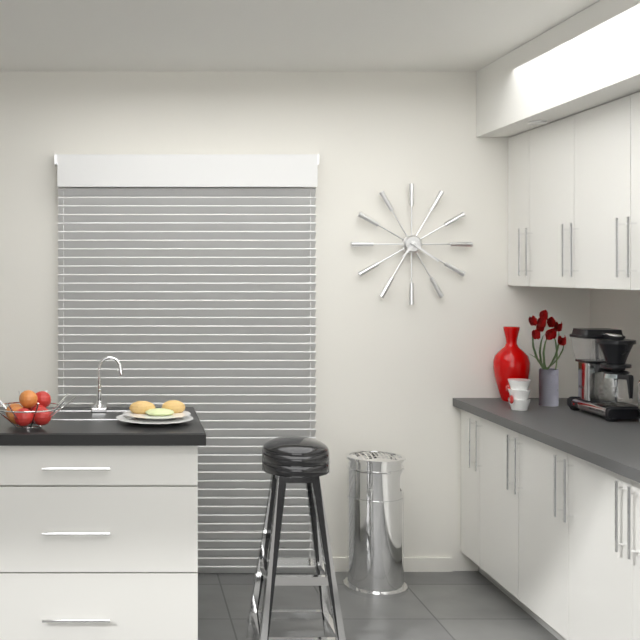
7:21
